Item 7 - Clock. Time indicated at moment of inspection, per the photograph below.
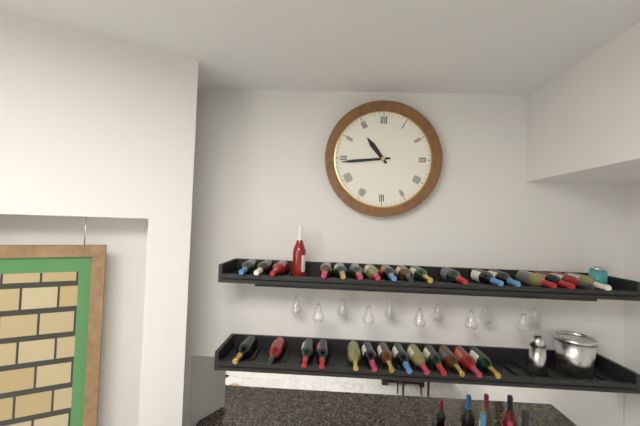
10:44
